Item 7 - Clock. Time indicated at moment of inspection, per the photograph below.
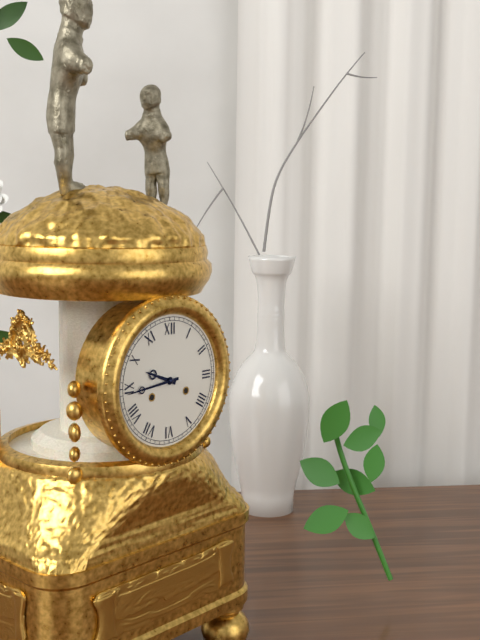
9:44
